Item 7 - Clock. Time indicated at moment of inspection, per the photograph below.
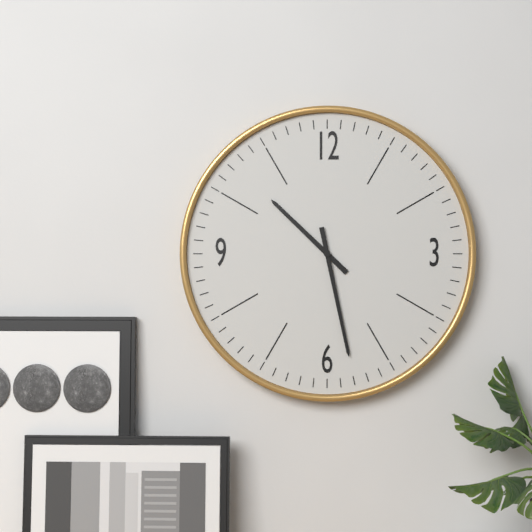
10:28
